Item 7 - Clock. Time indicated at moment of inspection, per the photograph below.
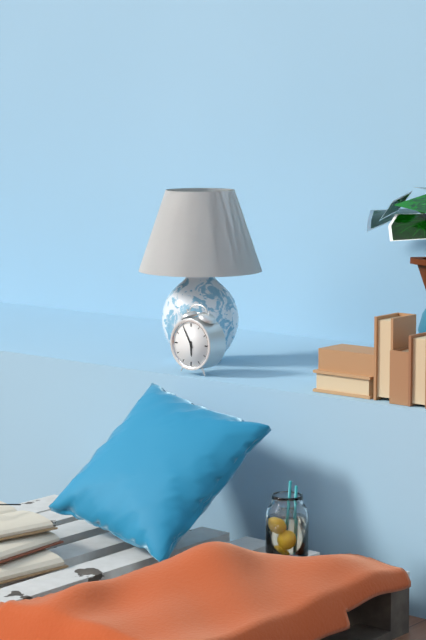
5:55
